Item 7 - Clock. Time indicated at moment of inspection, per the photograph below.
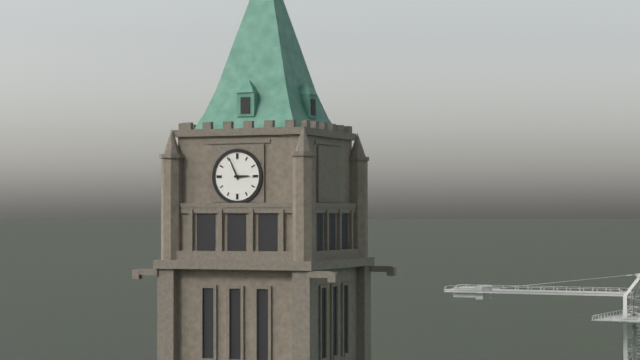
2:56
